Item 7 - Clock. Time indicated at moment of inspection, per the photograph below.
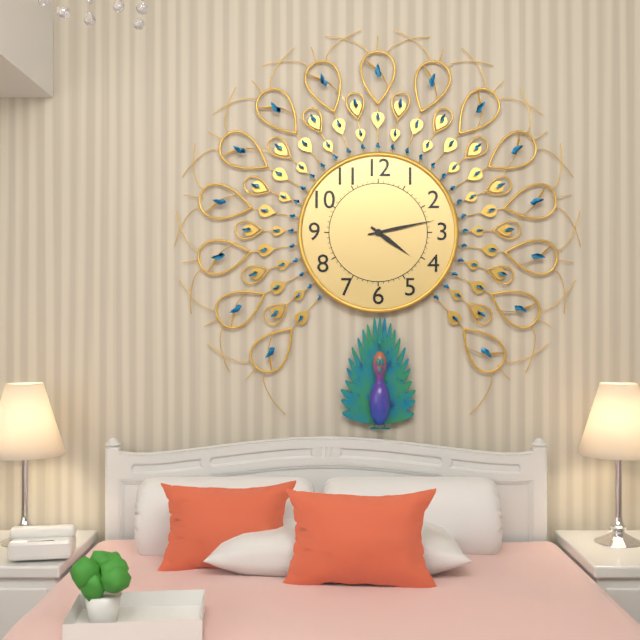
4:13
